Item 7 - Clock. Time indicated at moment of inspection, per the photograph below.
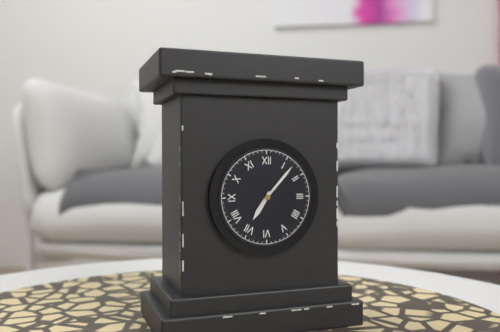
7:07
